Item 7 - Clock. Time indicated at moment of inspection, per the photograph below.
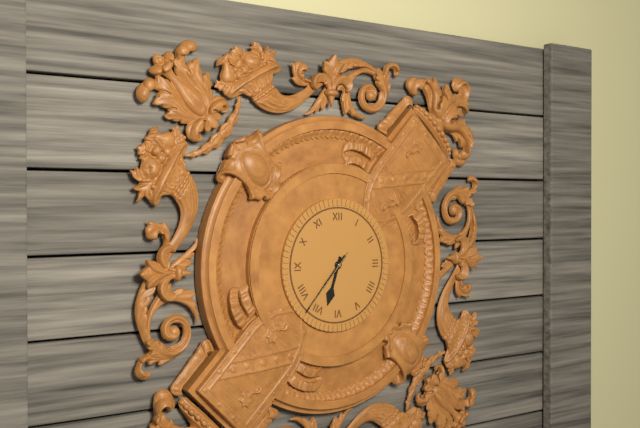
6:37:37
